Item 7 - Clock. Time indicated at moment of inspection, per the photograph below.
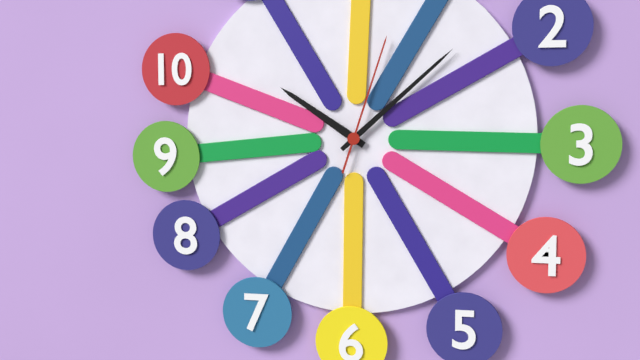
10:08:03
